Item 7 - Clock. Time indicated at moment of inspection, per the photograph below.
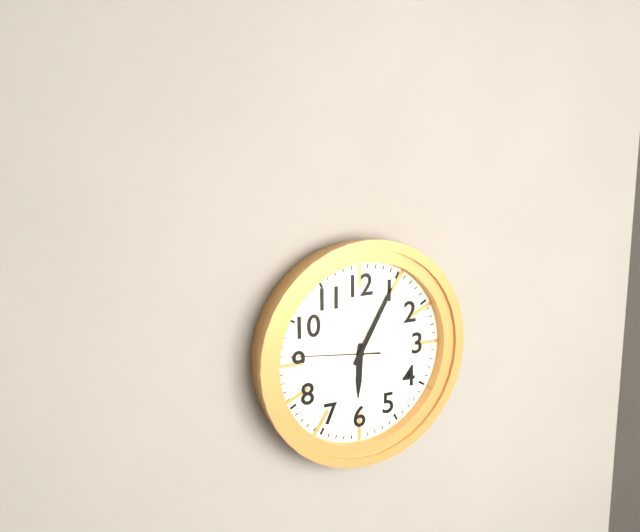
6:05:46
